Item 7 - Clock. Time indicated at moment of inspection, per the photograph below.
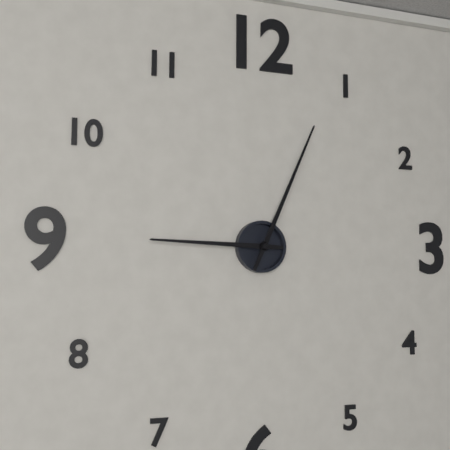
9:04
